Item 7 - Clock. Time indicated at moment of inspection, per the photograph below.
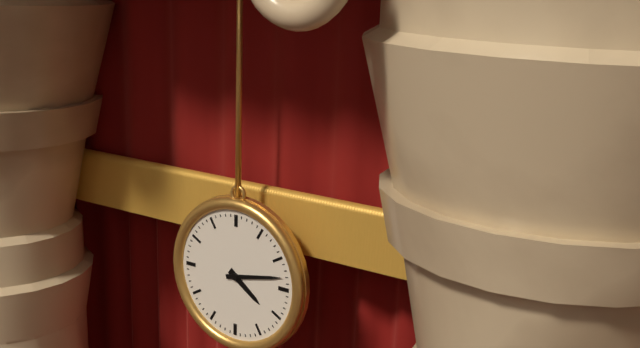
4:13
